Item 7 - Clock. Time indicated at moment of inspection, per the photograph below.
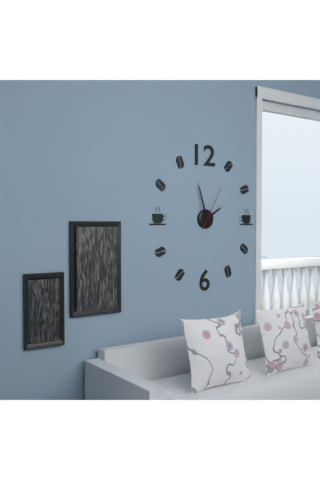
1:57
